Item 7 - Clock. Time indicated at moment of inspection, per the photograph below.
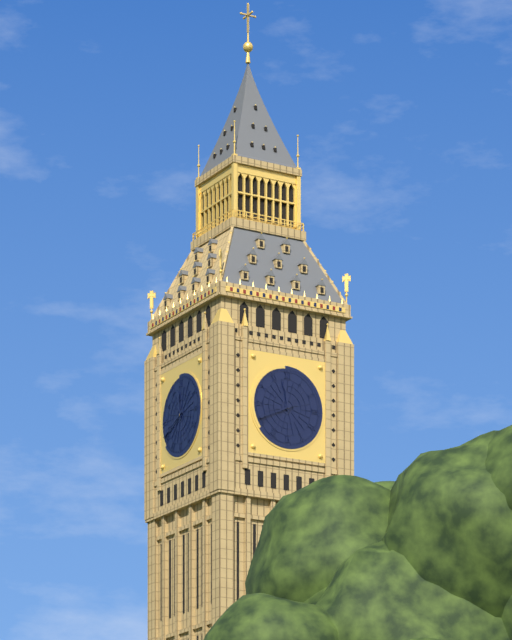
11:41
